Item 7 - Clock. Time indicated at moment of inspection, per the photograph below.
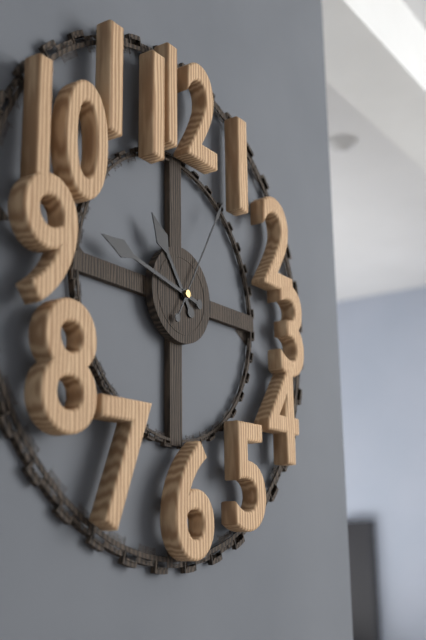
10:47:05
